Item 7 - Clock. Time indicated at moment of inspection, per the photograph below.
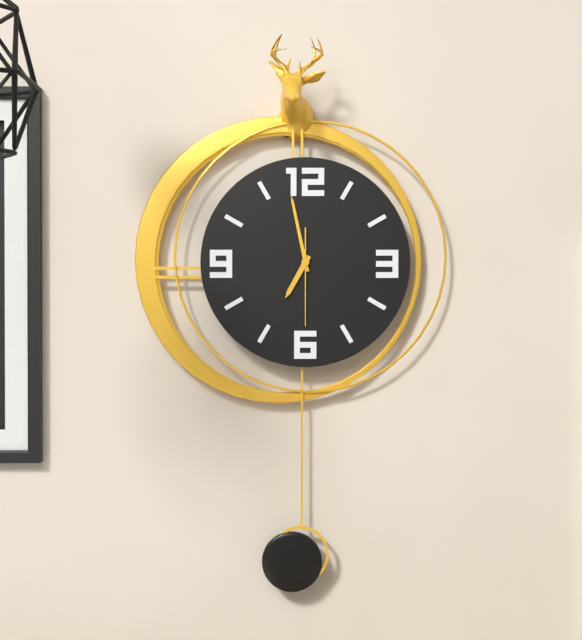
6:58:30
